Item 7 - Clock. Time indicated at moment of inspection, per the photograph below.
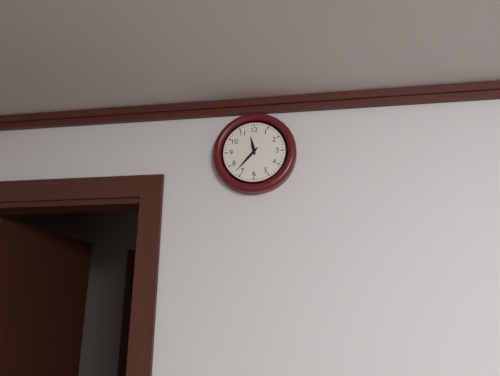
11:37
